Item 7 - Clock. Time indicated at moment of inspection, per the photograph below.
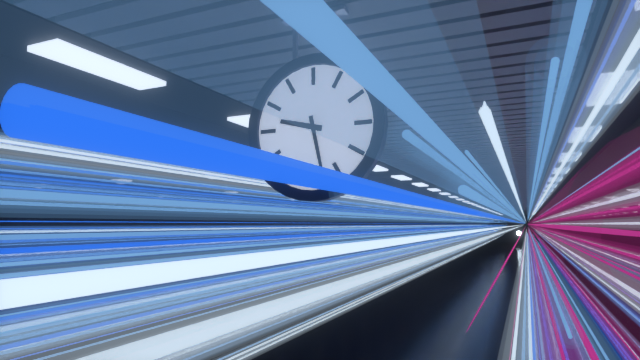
9:28
